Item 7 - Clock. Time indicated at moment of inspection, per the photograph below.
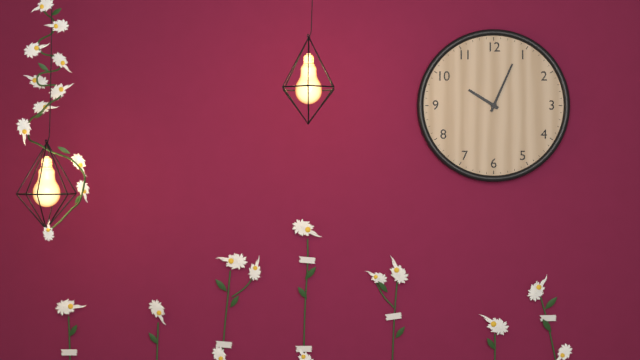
10:04
